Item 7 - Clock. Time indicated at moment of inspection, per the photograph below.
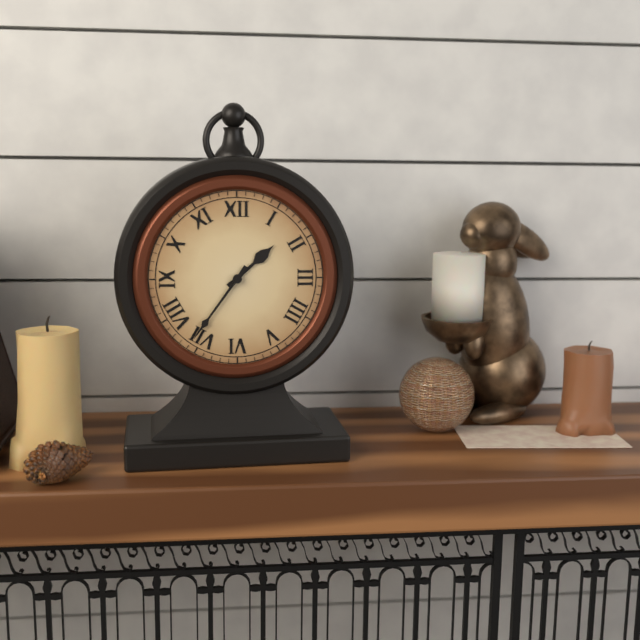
1:36
